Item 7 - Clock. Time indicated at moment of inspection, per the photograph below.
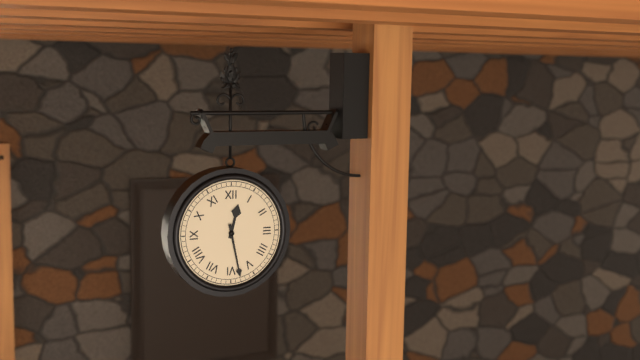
12:28
